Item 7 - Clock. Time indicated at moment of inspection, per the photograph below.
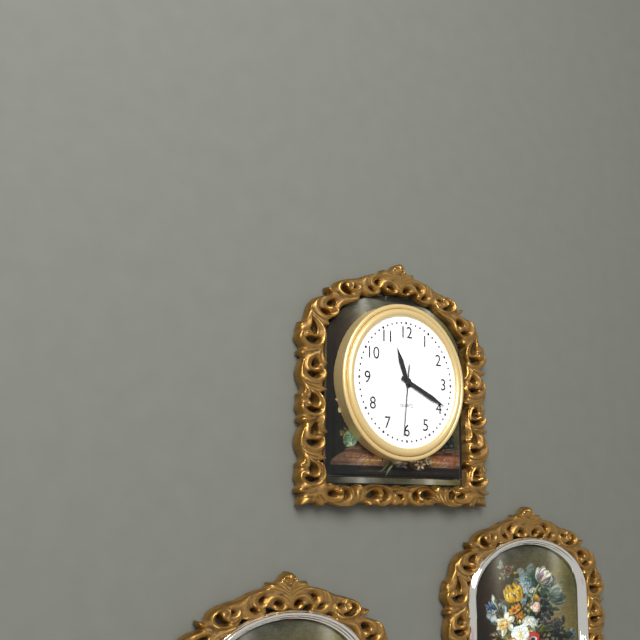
11:19:31
